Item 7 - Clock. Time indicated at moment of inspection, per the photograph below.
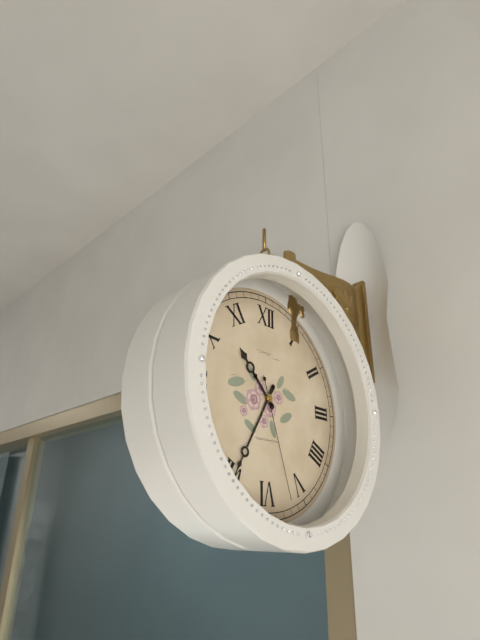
10:35:27
